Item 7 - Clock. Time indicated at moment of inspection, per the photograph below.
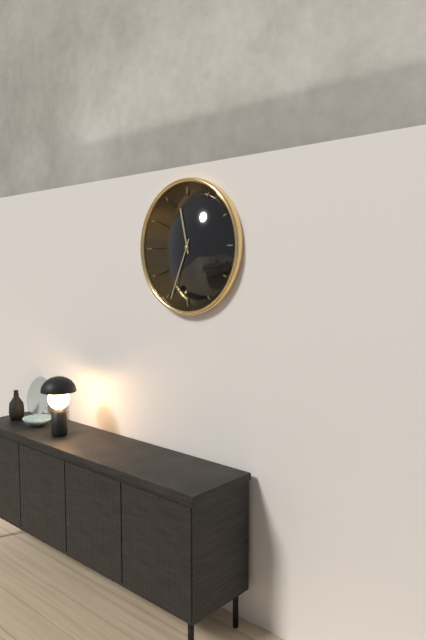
11:34
